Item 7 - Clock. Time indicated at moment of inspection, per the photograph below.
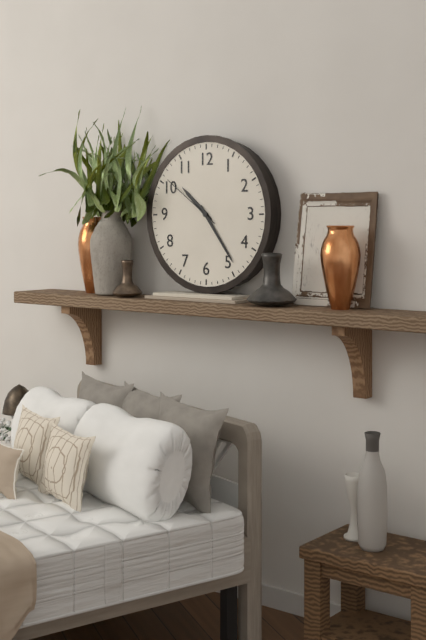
10:24:51
